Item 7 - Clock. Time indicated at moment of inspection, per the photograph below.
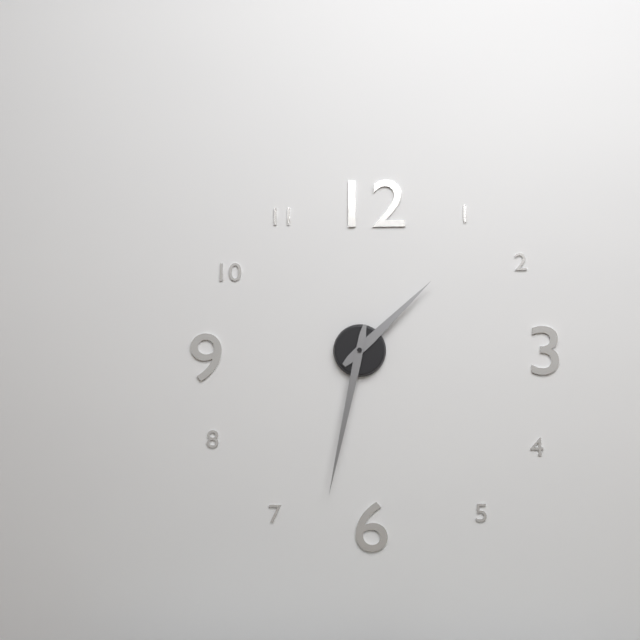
1:32
